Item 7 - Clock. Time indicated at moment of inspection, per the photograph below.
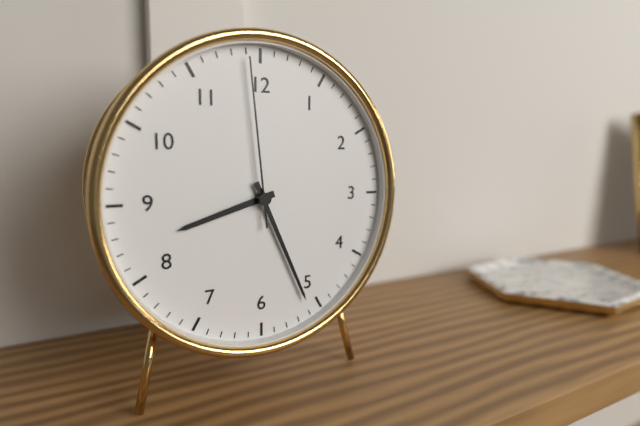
8:26:59
